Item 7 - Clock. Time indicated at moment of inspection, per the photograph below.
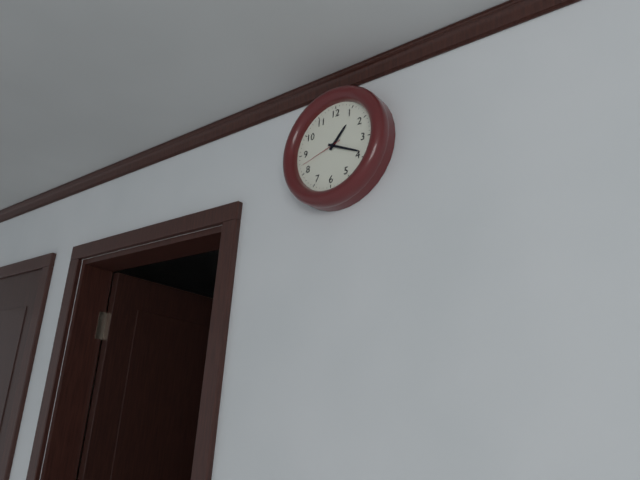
1:19
